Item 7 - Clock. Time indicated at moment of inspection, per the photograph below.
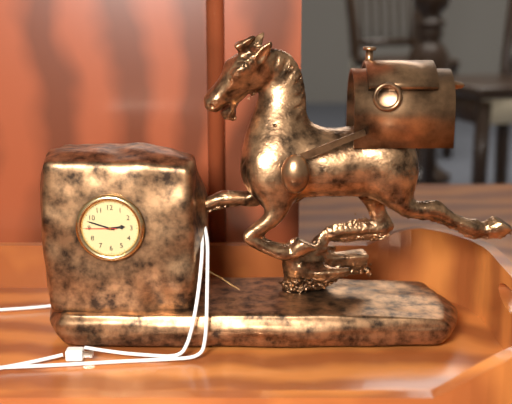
2:48
